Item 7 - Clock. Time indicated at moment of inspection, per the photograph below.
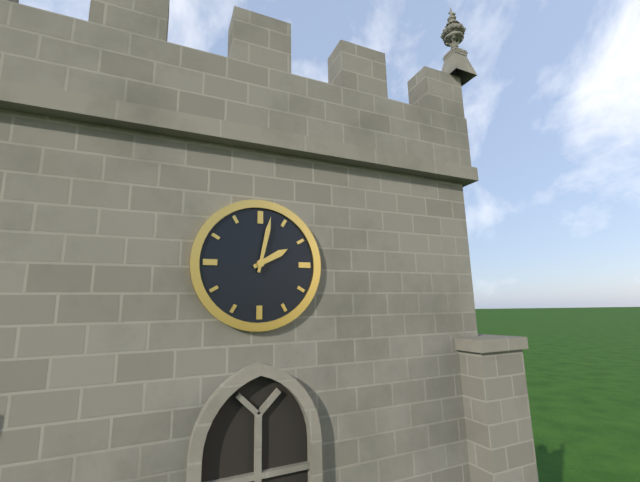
2:02
